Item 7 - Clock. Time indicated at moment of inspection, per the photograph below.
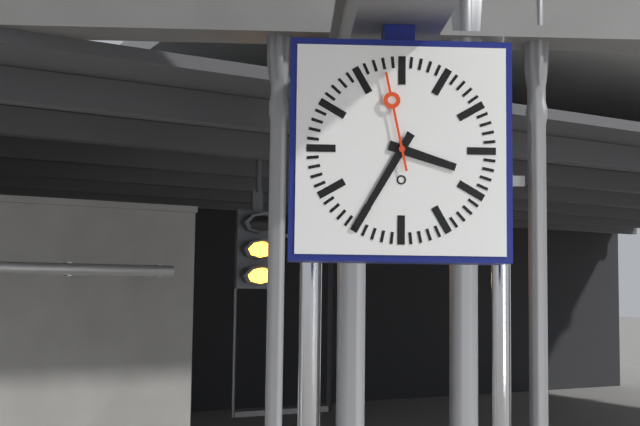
3:35:58
